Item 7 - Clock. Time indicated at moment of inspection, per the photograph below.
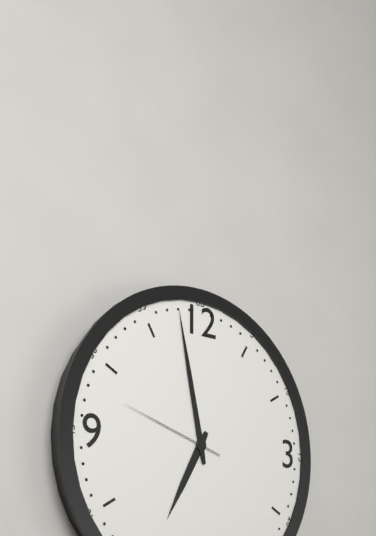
6:58:48
